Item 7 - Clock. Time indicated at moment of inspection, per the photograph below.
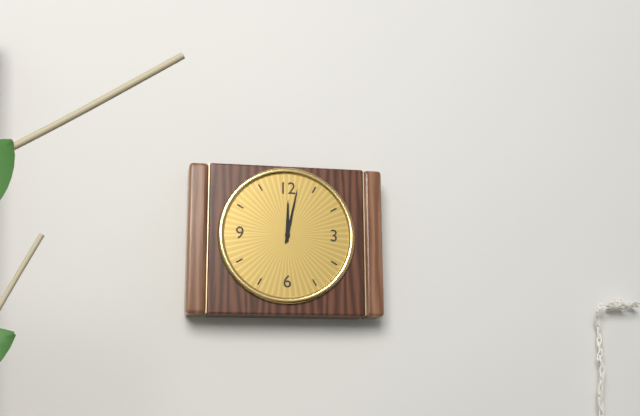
12:02
